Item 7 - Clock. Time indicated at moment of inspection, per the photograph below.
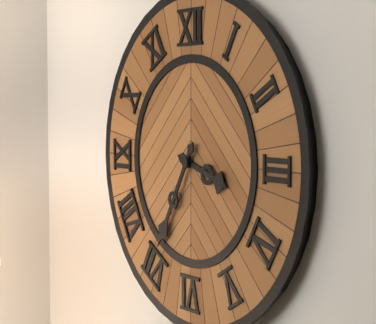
3:35
